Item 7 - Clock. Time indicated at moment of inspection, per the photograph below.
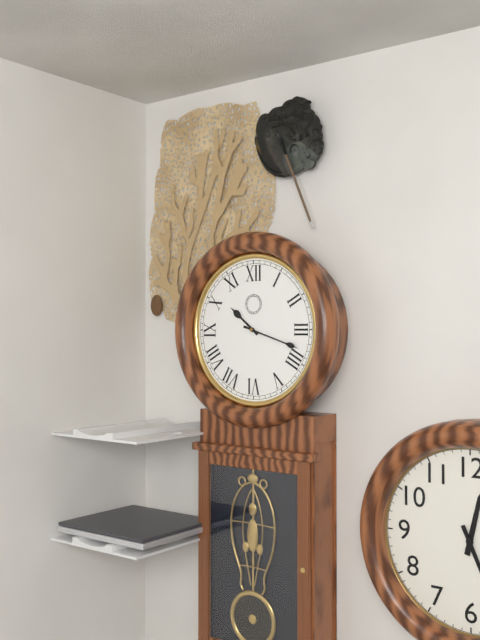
10:18
